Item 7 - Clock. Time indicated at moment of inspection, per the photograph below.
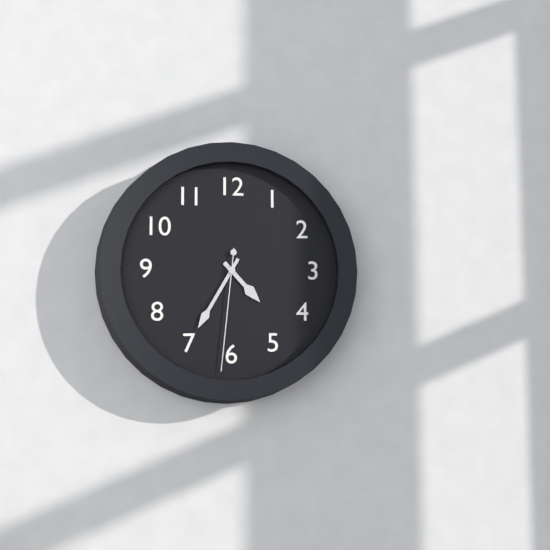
4:35:31
